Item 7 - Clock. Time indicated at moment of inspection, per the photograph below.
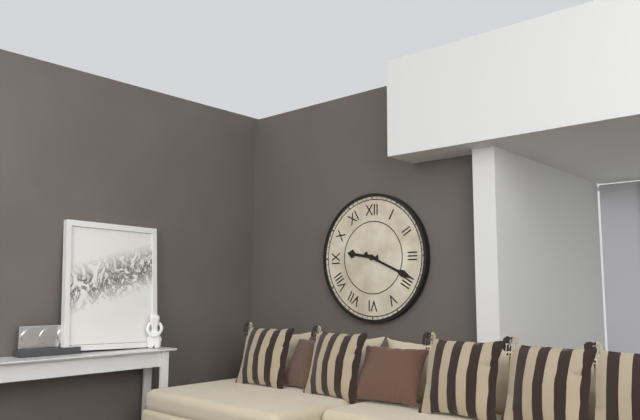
9:19
